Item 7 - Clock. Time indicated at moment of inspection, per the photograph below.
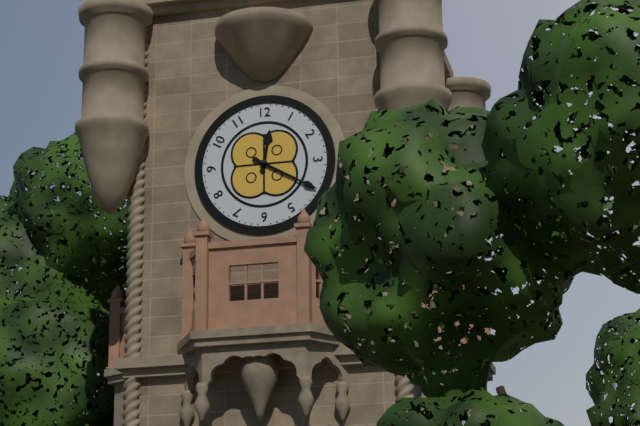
12:20
